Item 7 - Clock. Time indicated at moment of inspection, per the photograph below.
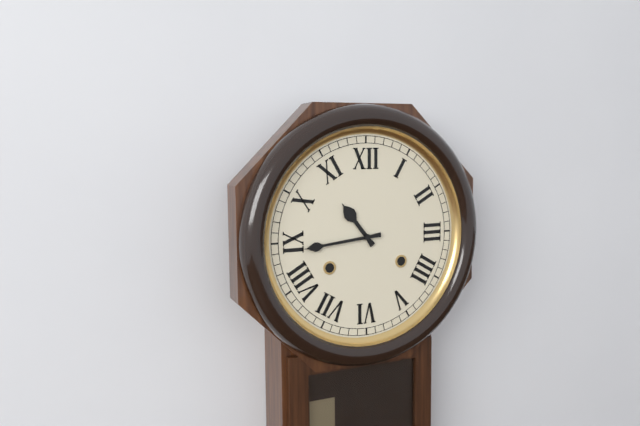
10:44
